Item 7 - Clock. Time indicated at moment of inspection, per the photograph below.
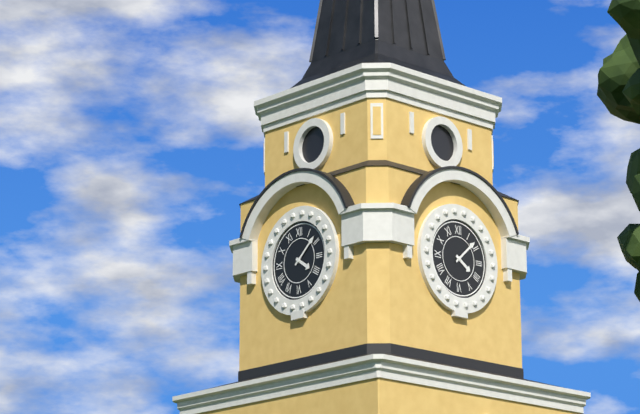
4:08
